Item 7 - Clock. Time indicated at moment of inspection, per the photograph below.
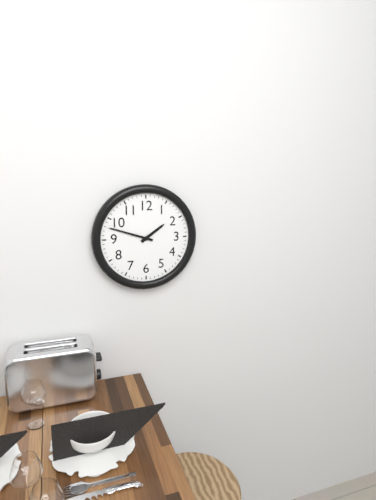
1:48
